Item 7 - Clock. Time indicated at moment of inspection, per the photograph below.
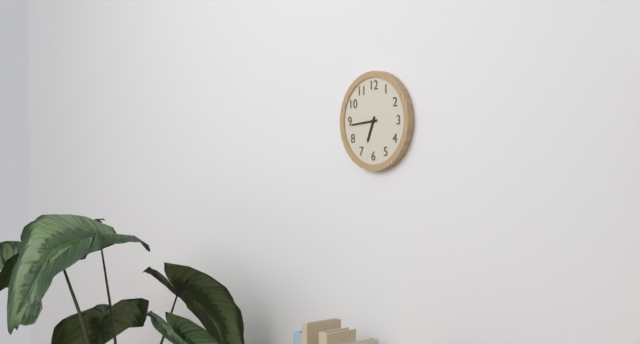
6:44
